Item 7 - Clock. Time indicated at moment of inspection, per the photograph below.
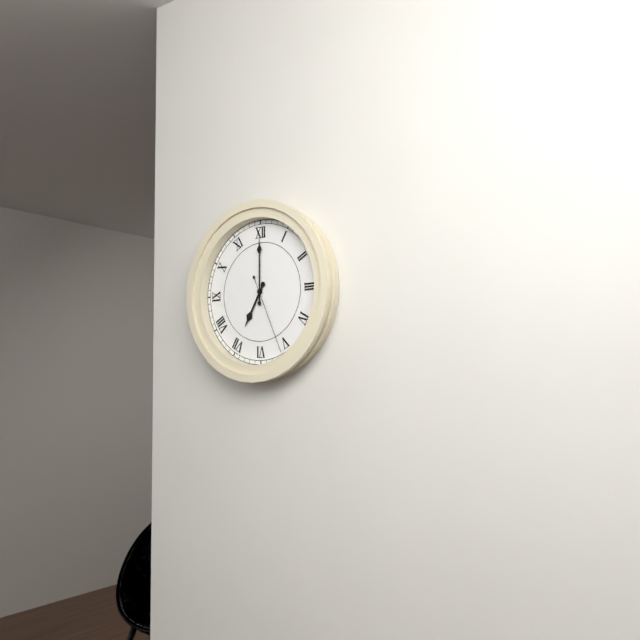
7:00:26
